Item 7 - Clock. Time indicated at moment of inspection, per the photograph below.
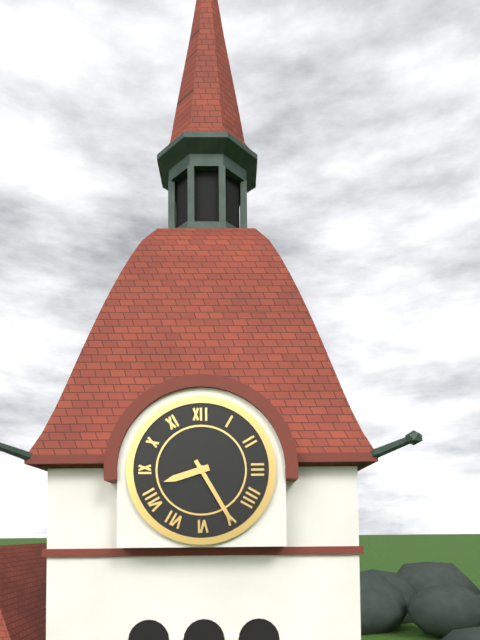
8:25
